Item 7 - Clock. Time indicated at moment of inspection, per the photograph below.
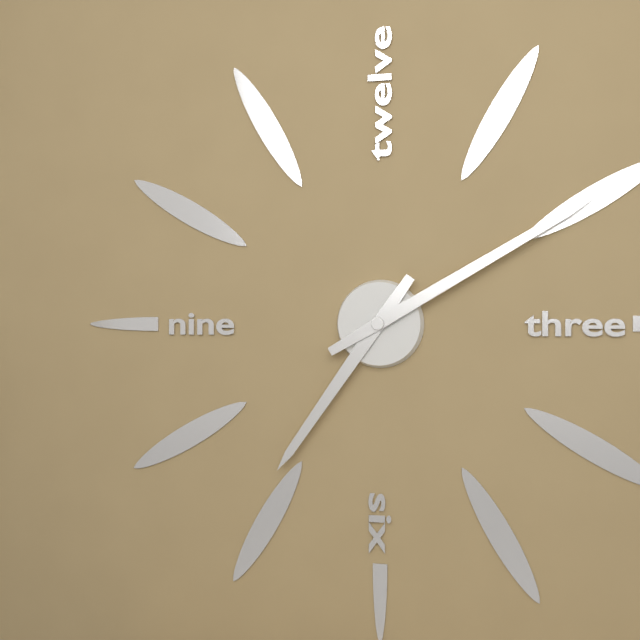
7:10
